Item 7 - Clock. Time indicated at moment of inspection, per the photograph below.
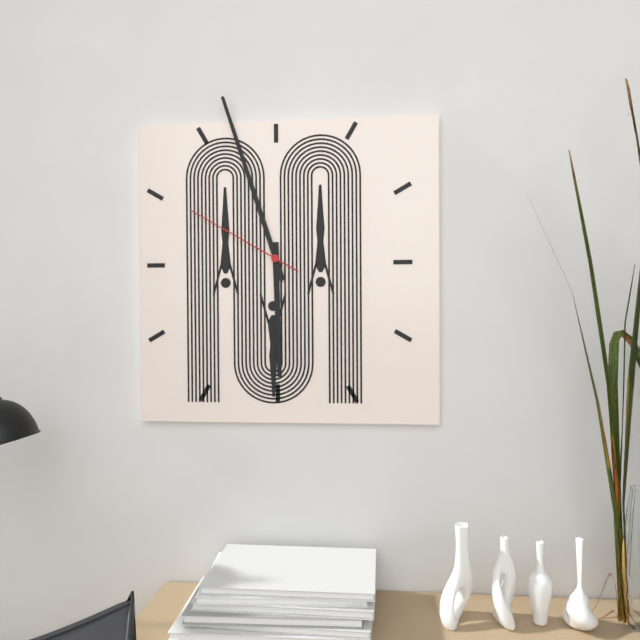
5:57:50
